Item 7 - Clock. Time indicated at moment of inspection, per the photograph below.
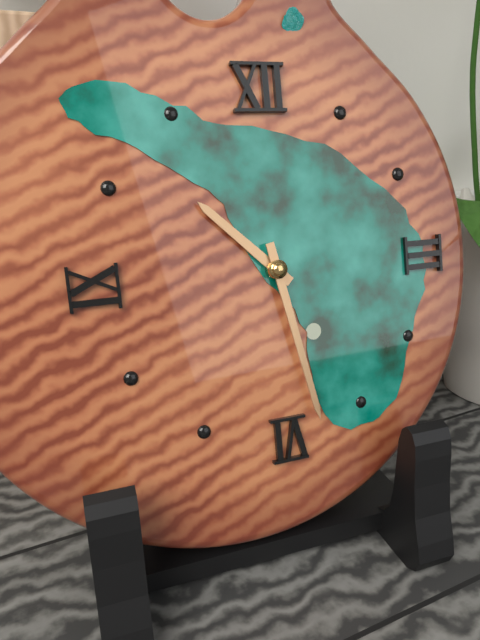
10:28
